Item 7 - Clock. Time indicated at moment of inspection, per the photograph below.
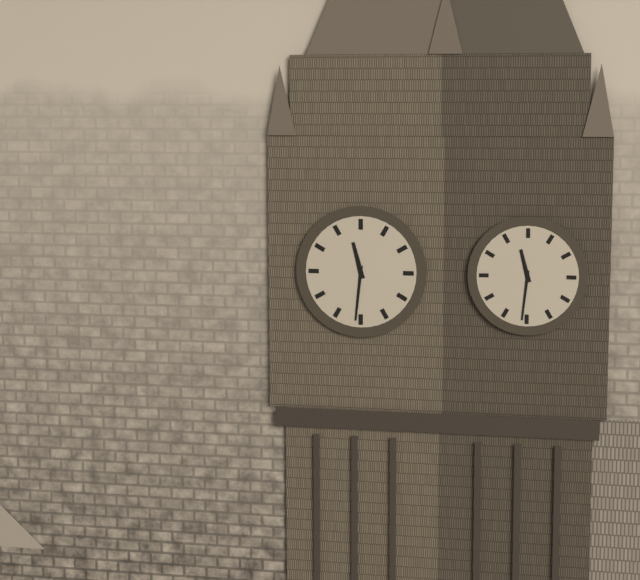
11:31
